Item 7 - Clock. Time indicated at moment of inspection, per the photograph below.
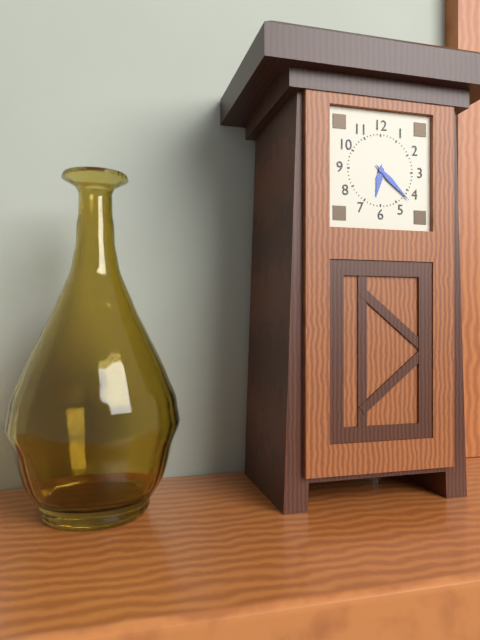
6:22
